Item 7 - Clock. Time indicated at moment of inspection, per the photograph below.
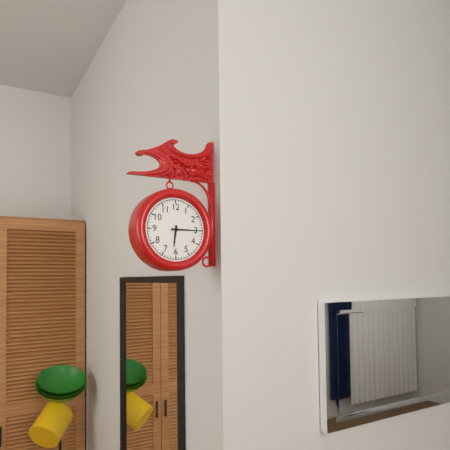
6:15
